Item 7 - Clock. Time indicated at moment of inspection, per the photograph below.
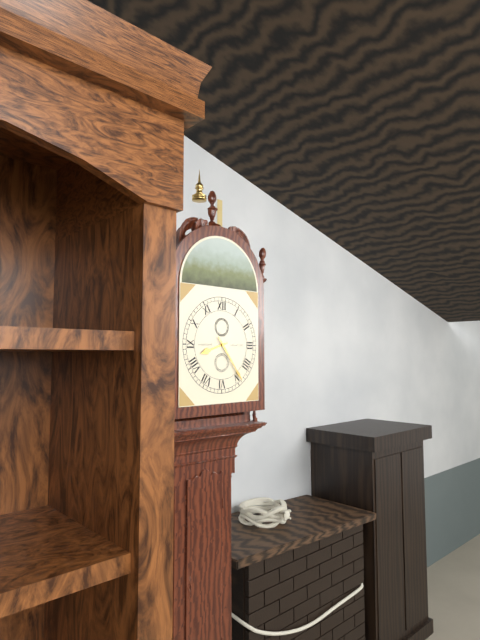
8:24
